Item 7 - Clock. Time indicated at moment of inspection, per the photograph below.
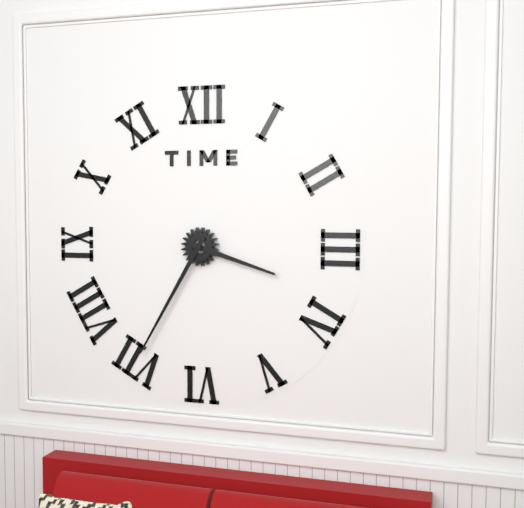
3:35
